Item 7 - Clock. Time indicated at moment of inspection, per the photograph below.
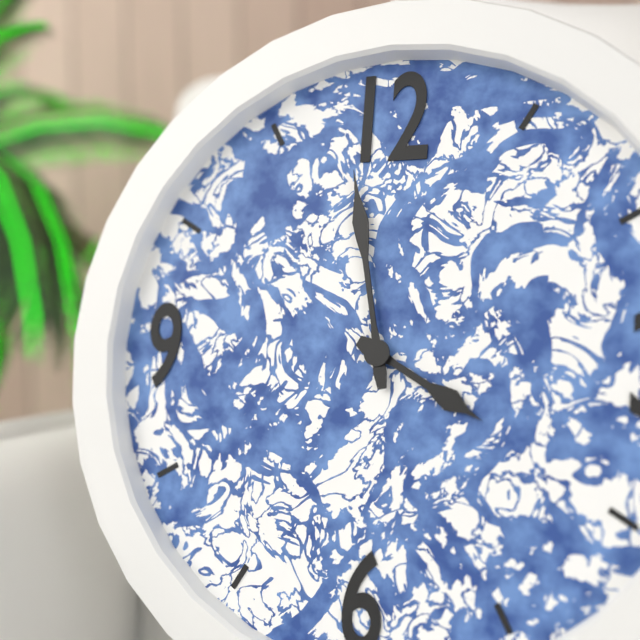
3:58
